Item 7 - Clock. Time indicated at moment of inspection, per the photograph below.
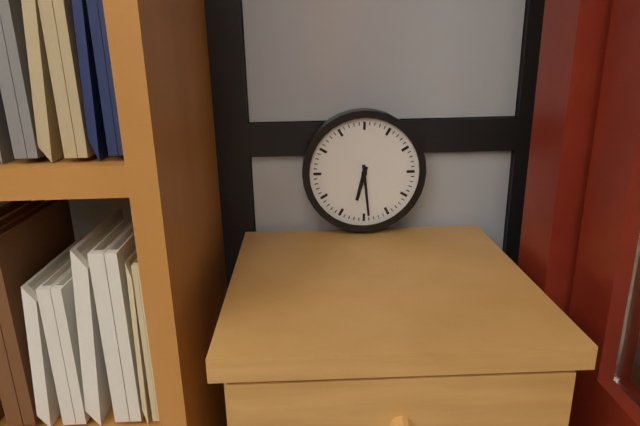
6:29
